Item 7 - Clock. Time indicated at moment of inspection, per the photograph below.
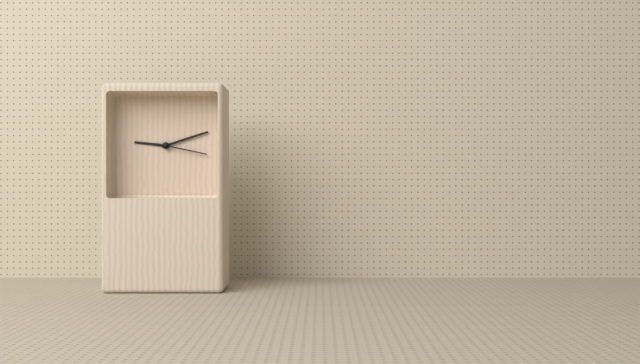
9:12:17
